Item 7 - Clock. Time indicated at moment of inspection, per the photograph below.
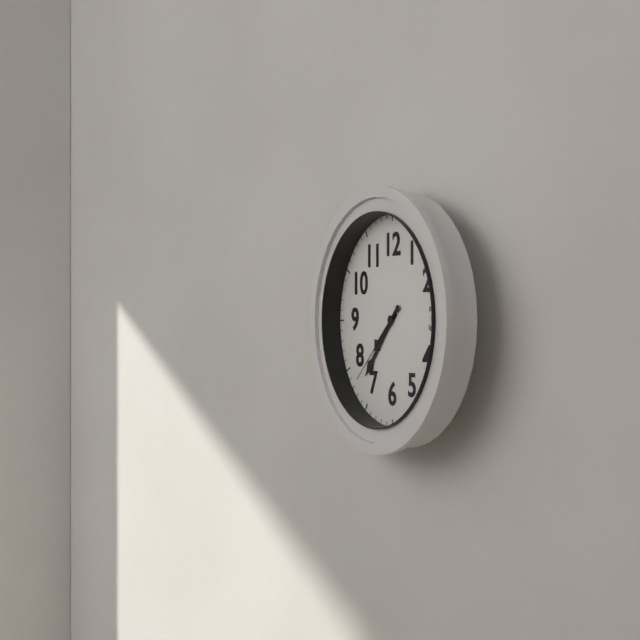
7:37:38
